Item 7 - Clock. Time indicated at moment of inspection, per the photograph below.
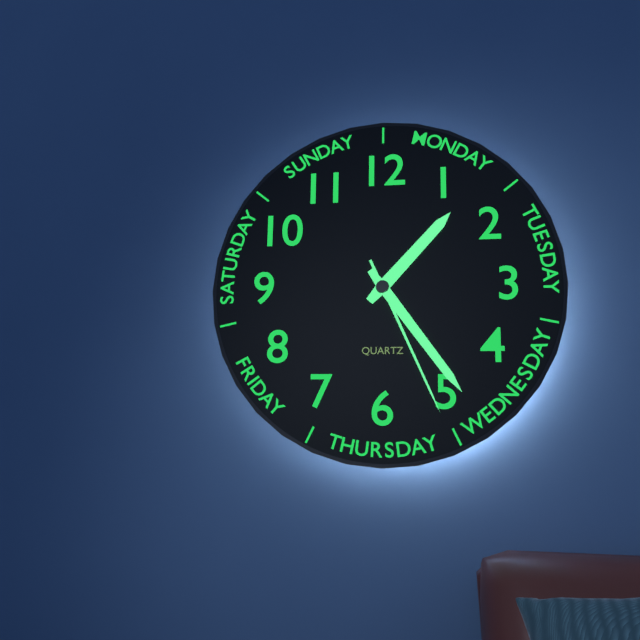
1:24:26
